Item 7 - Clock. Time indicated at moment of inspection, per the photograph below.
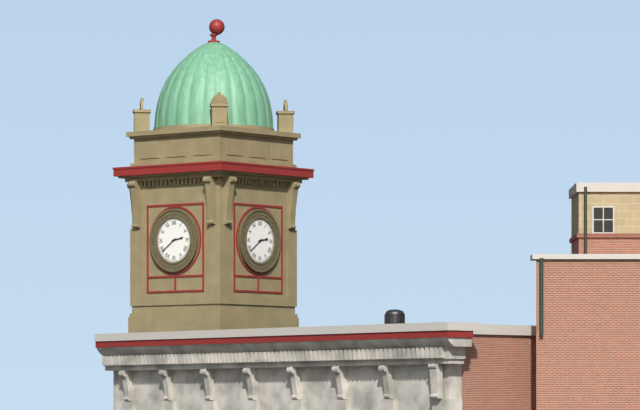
2:39
